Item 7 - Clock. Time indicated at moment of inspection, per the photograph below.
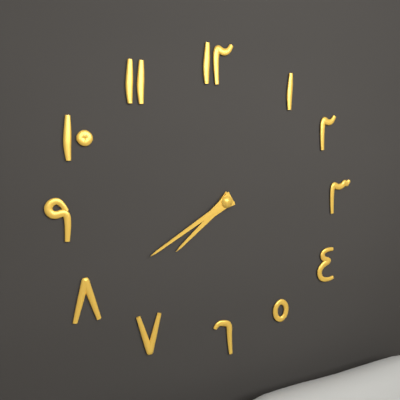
7:40
